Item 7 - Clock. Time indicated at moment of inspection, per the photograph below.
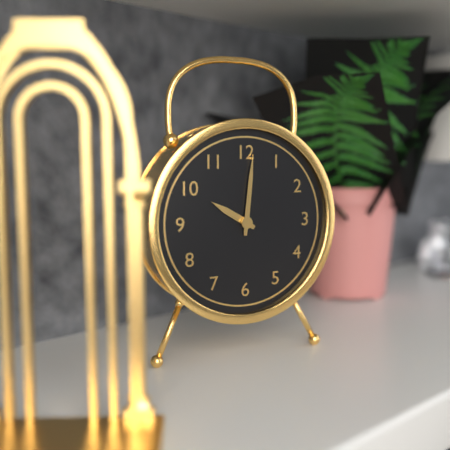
10:01
